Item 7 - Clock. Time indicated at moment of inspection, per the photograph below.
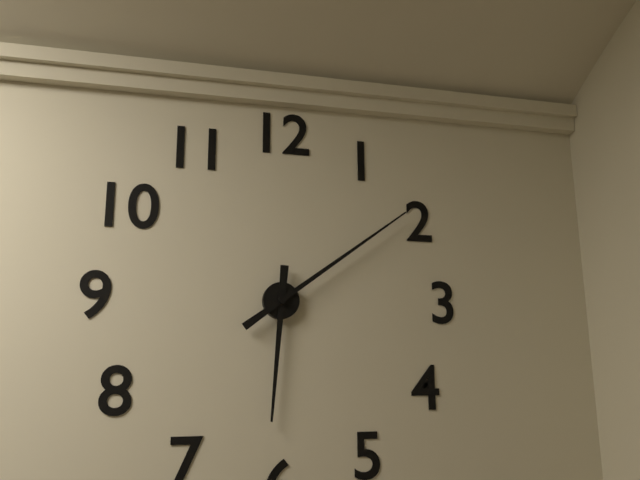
6:09
